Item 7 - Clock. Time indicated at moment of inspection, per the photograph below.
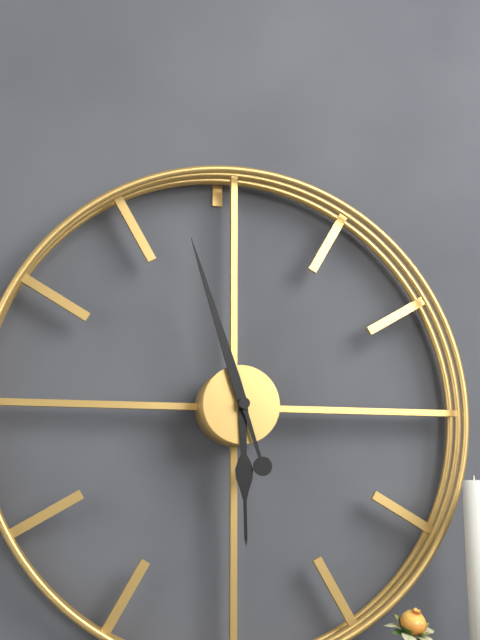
5:57
